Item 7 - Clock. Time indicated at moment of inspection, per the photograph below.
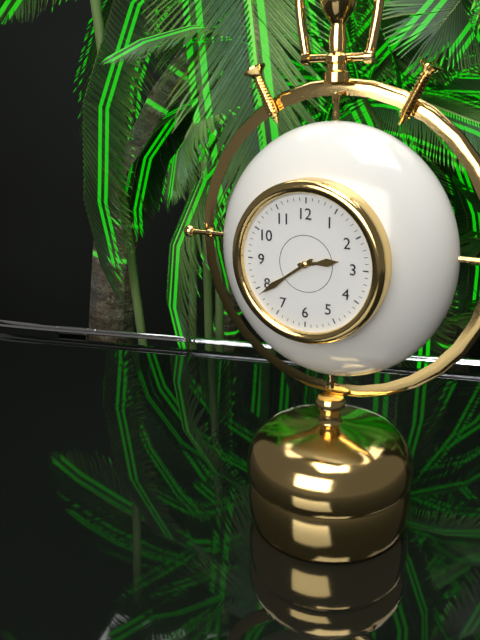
2:39
